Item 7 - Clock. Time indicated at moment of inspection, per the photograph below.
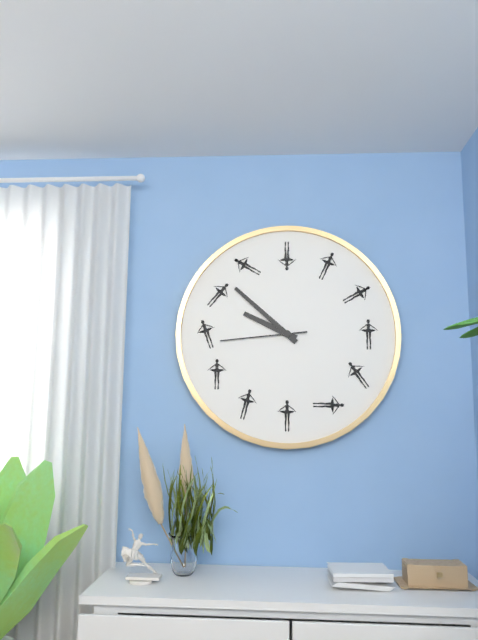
9:52:44
